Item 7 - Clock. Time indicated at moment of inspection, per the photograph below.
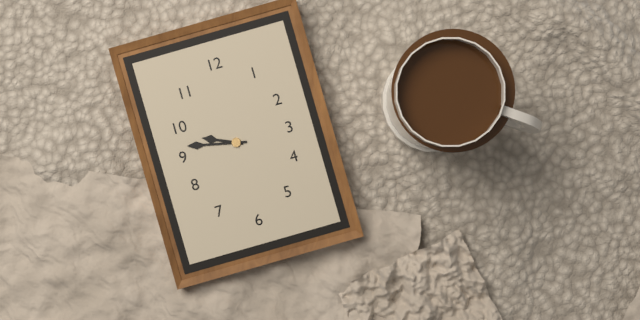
9:47
